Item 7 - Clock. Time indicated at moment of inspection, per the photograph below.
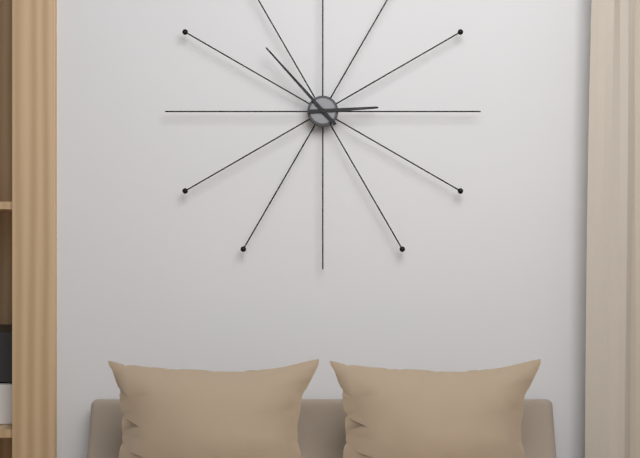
2:53
